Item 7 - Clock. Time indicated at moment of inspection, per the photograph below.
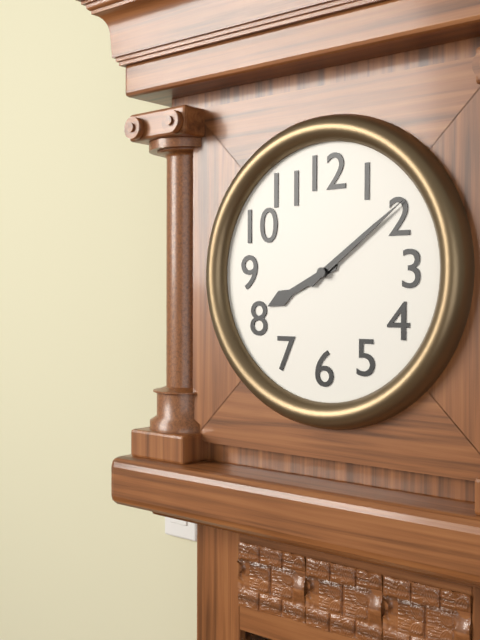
8:09
